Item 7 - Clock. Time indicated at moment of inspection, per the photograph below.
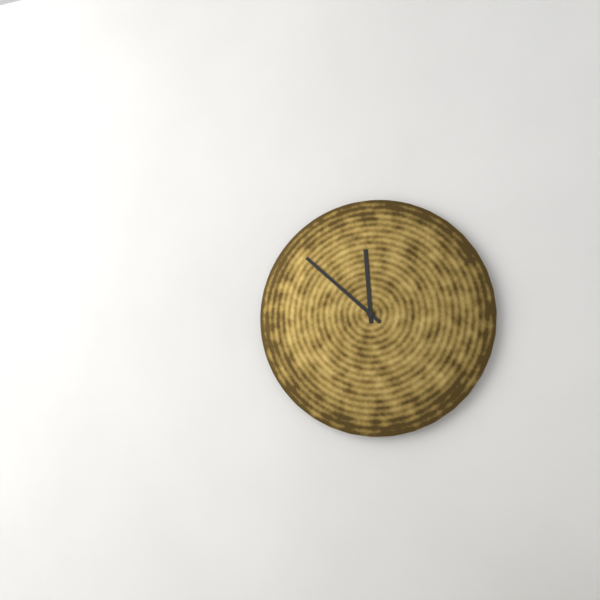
11:52
